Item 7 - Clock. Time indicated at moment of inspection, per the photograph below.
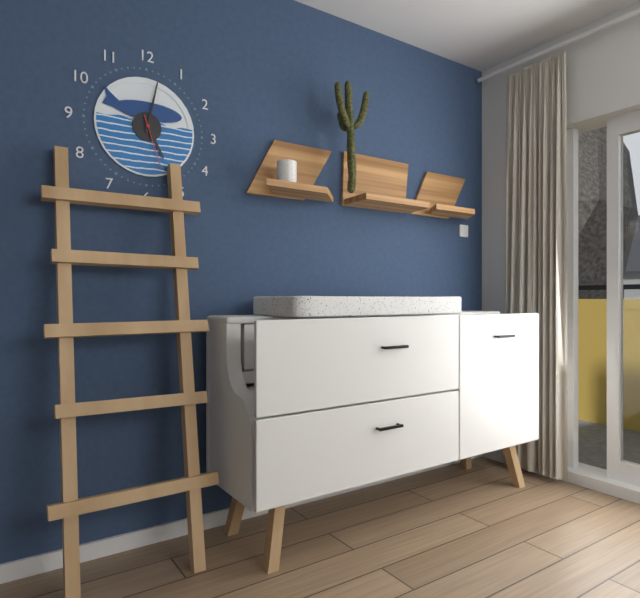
5:02:27
